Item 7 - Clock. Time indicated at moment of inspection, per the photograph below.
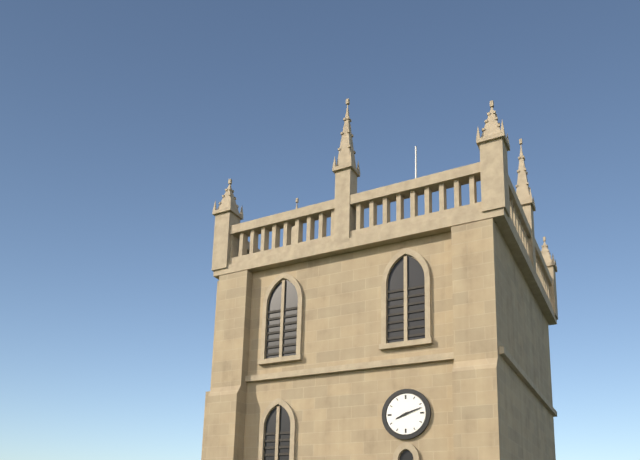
8:12
